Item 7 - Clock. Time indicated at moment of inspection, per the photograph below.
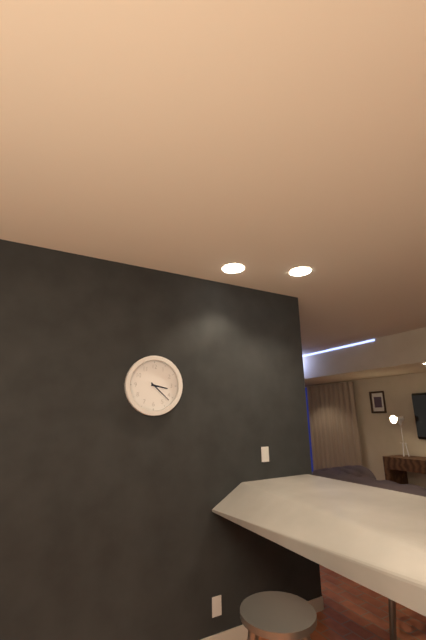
3:22
